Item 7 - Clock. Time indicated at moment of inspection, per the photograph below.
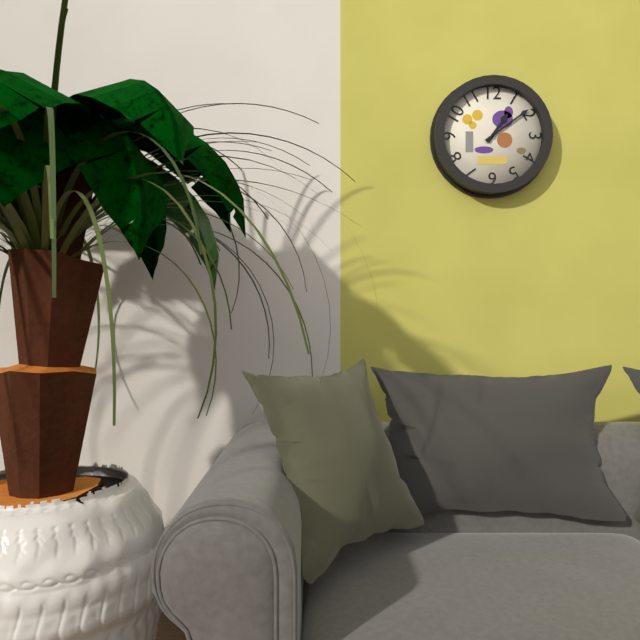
1:09
